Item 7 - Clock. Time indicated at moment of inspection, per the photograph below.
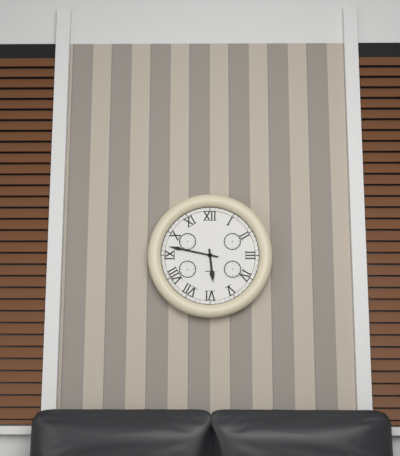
5:47
